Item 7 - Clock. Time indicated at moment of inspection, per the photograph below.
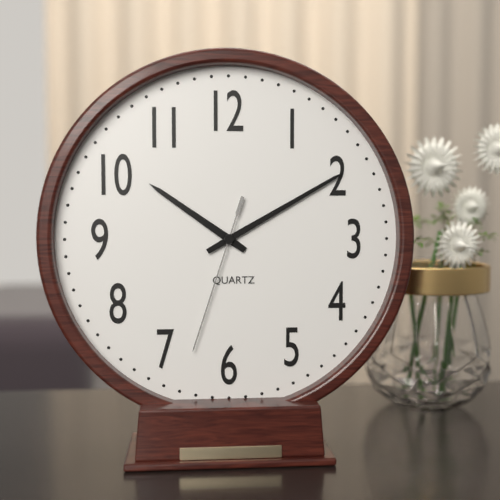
10:10:33
